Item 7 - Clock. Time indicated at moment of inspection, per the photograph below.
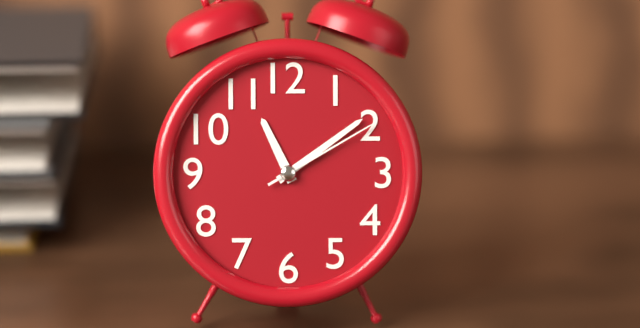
11:09:10
